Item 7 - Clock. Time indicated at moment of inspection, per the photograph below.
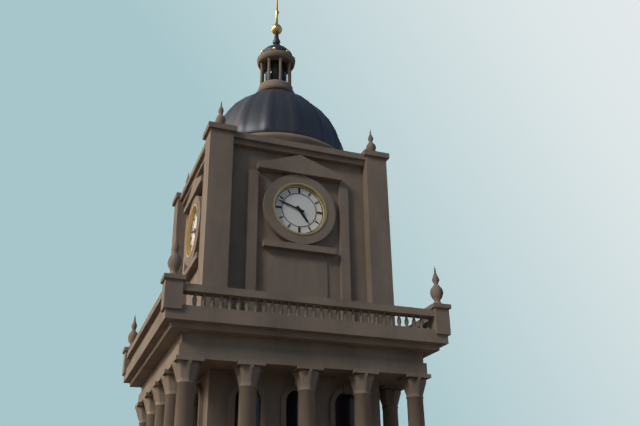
4:48
